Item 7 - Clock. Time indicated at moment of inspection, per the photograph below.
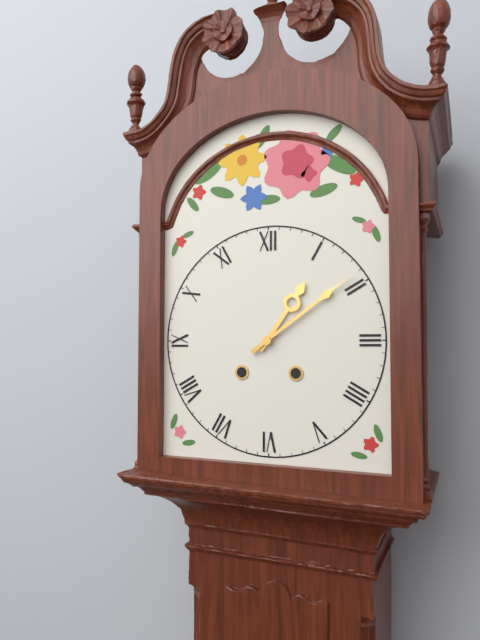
1:09
